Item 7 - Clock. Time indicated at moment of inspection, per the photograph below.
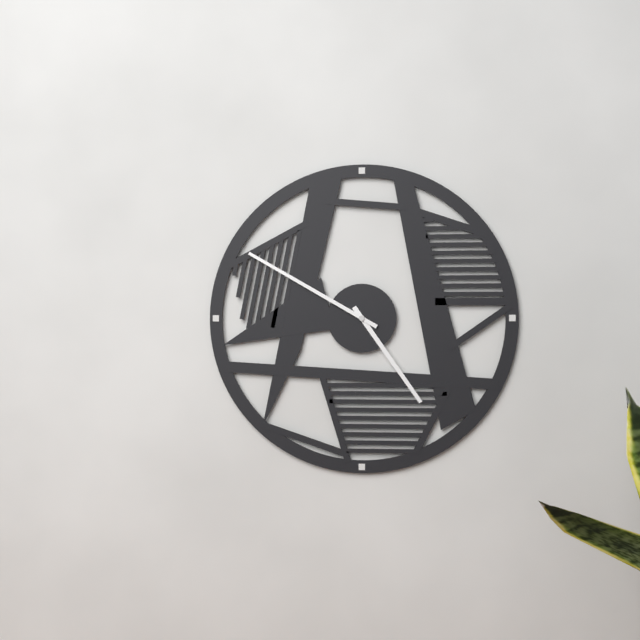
4:50
